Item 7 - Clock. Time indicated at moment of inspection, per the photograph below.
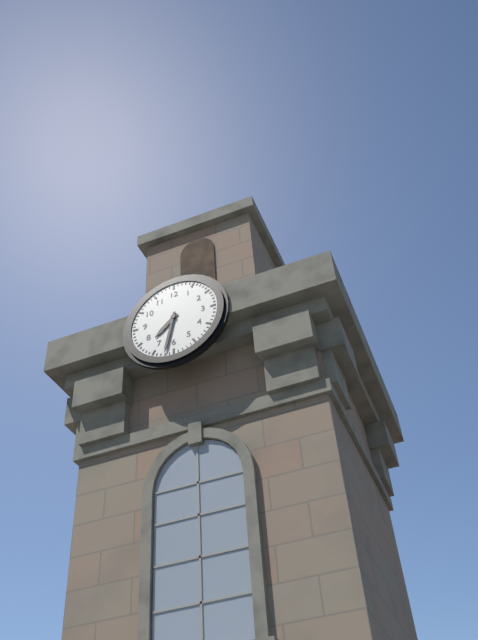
7:32
